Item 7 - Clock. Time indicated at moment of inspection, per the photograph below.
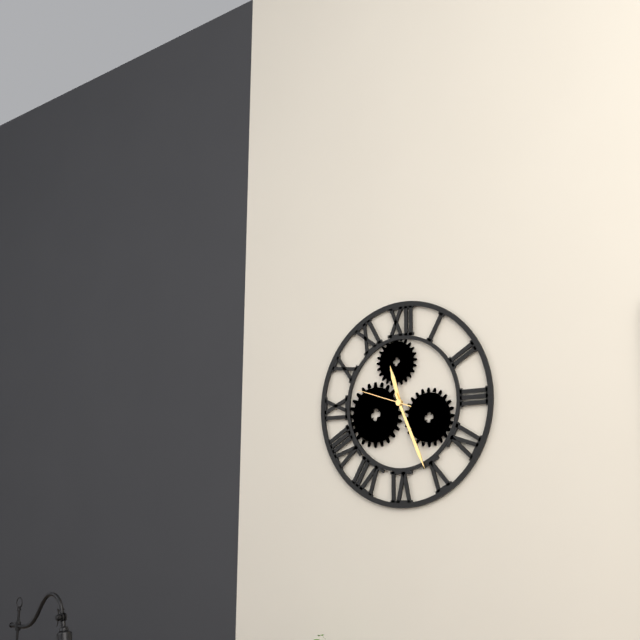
11:26:48
